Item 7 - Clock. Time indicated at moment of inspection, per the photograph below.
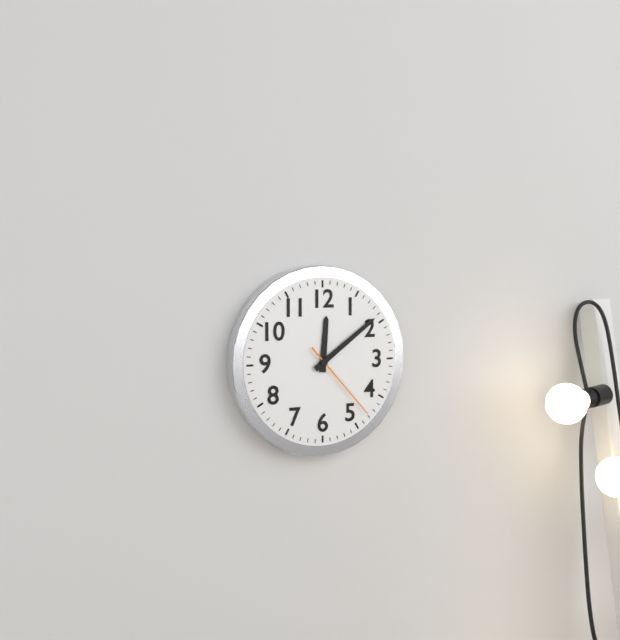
12:09:23
